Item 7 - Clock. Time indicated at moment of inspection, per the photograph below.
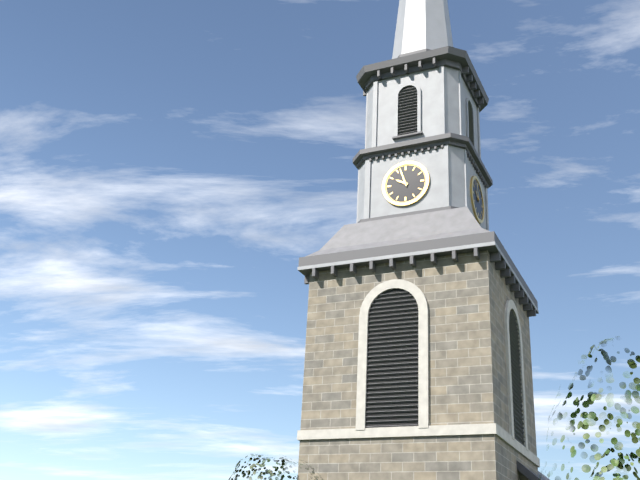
9:57
